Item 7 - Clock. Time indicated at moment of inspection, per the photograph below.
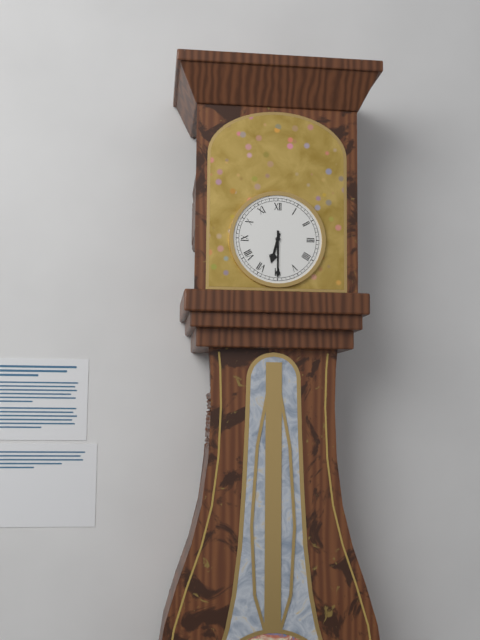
6:30
